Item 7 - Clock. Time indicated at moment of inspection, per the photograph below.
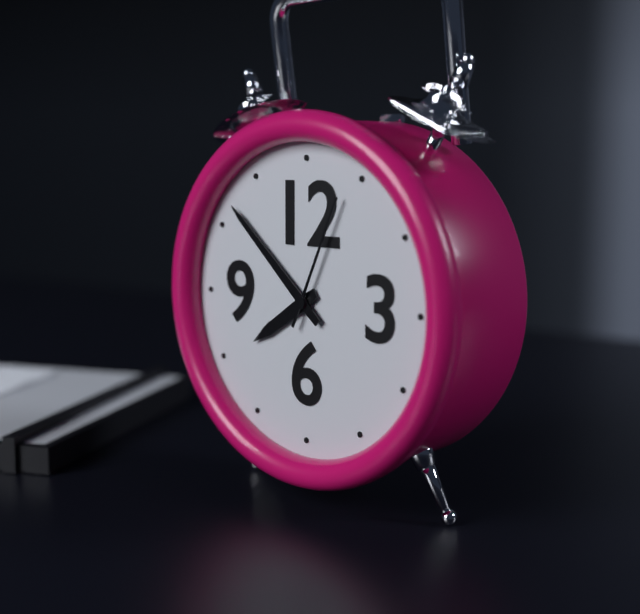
7:52:04
